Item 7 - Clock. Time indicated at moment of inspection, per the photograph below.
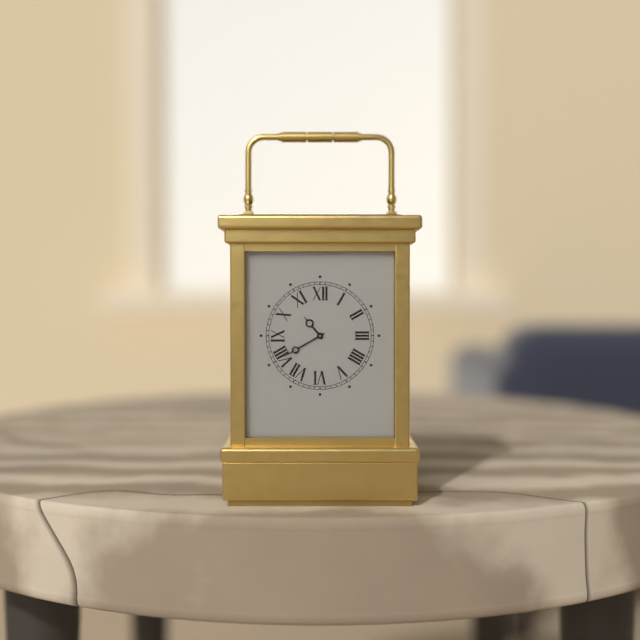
10:40
